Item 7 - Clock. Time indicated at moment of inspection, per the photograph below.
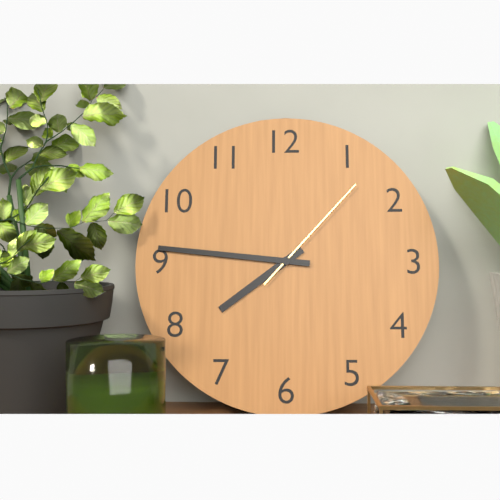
7:46:07
